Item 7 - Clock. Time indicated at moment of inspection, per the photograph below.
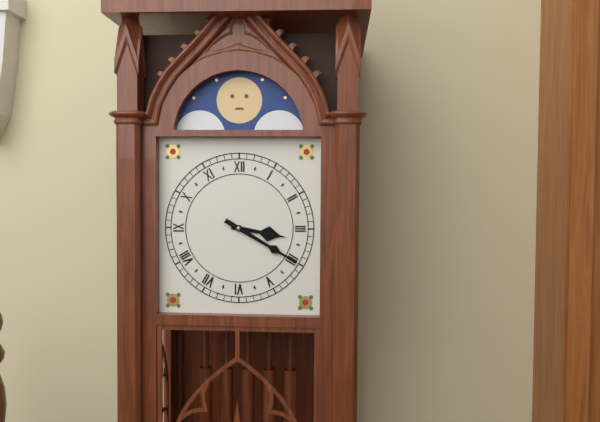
3:20
